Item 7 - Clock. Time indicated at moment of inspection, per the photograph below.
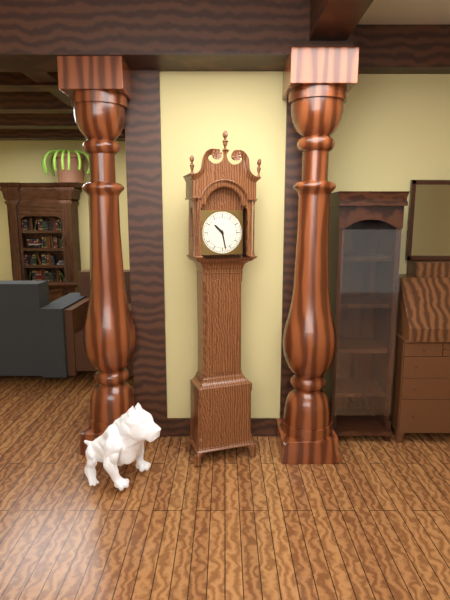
10:28
